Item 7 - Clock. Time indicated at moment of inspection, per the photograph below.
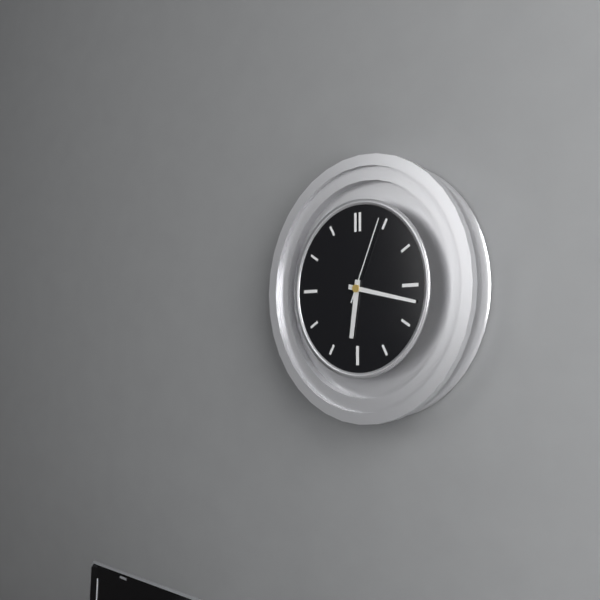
6:17:04
